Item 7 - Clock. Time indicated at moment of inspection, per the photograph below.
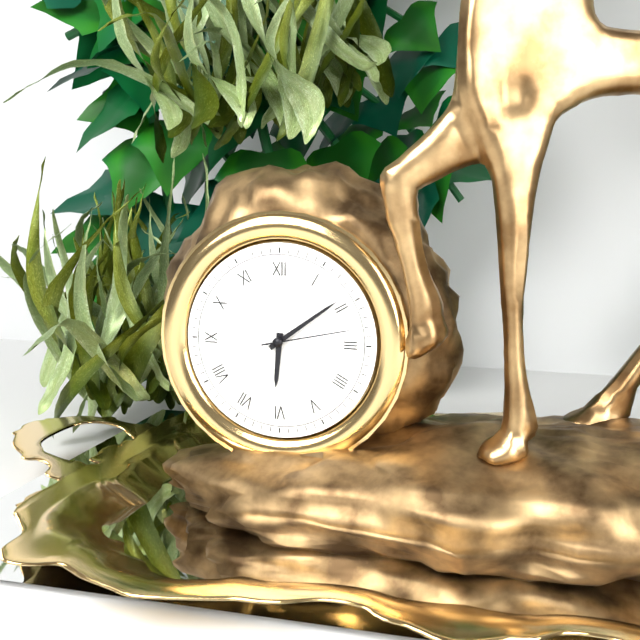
6:09:13
